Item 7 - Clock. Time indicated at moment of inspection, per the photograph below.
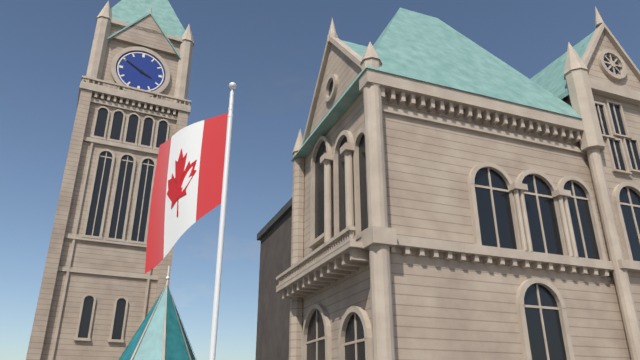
3:50
